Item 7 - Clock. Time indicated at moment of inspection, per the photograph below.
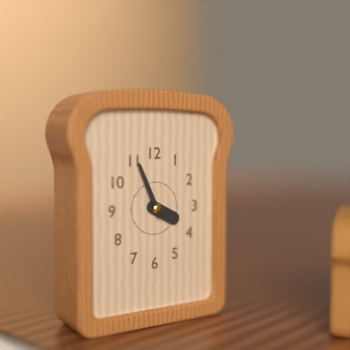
3:56
